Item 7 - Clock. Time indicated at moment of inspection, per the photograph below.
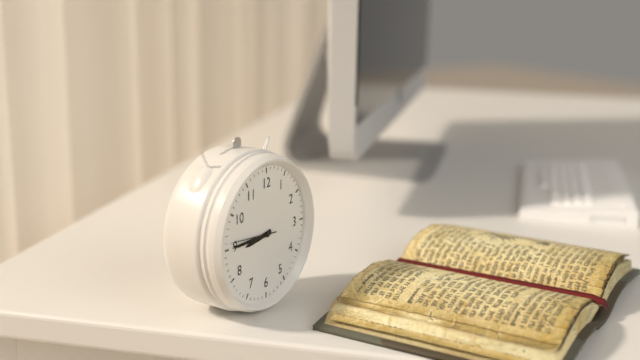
8:45
